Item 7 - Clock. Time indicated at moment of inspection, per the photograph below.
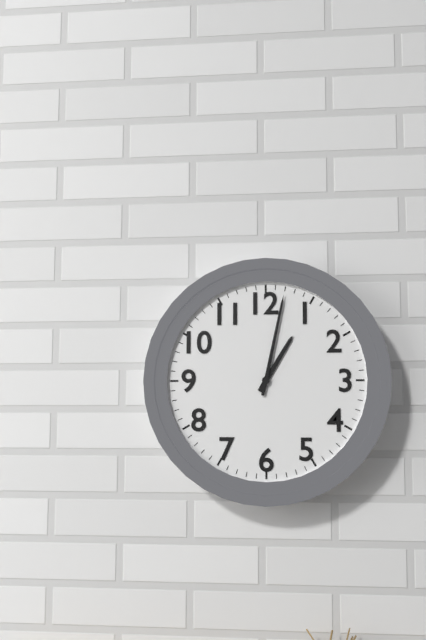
1:02
